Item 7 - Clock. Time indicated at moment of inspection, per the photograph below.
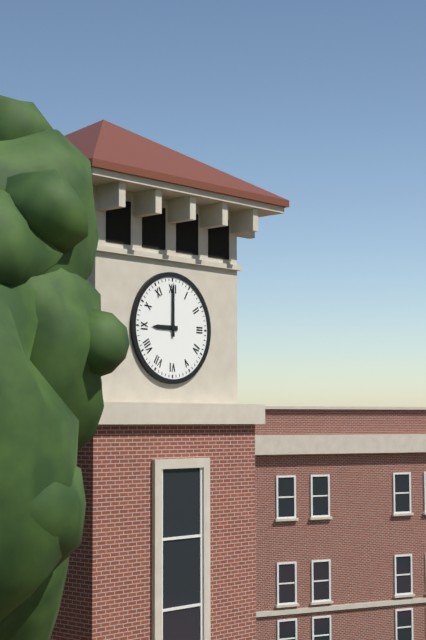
9:00
